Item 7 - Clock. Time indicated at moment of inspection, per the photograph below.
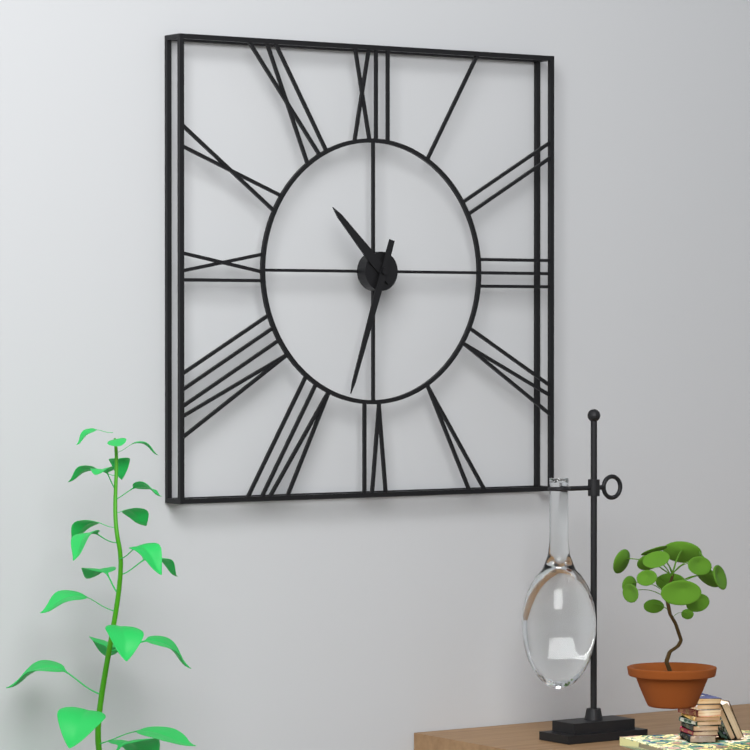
10:33
